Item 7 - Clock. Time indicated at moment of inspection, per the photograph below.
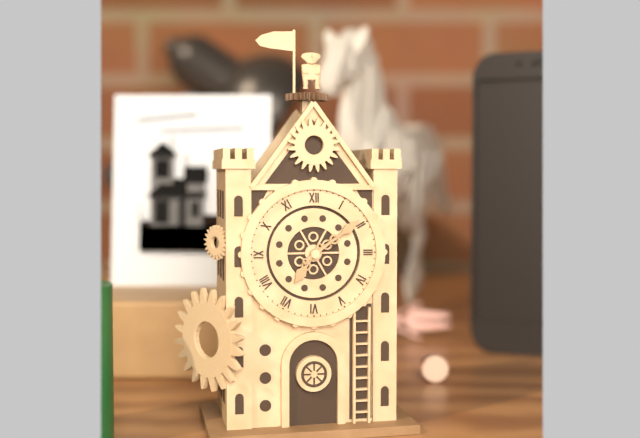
7:09
